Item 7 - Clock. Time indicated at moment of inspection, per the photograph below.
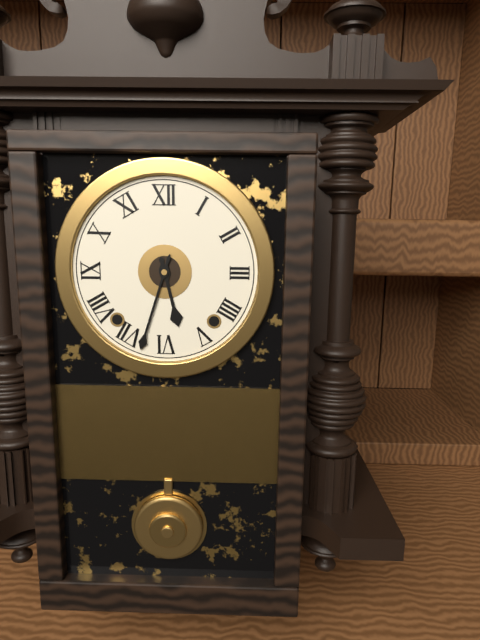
5:33
